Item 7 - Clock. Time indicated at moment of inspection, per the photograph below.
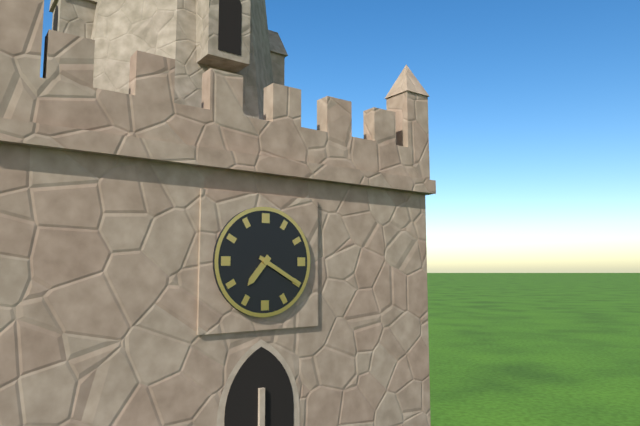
7:20
